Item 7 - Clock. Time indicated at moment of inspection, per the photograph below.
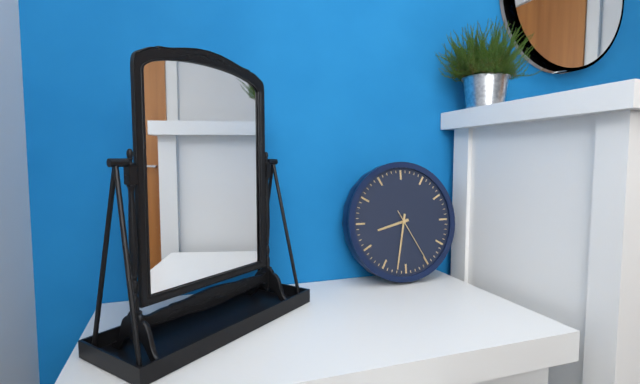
8:32:25
